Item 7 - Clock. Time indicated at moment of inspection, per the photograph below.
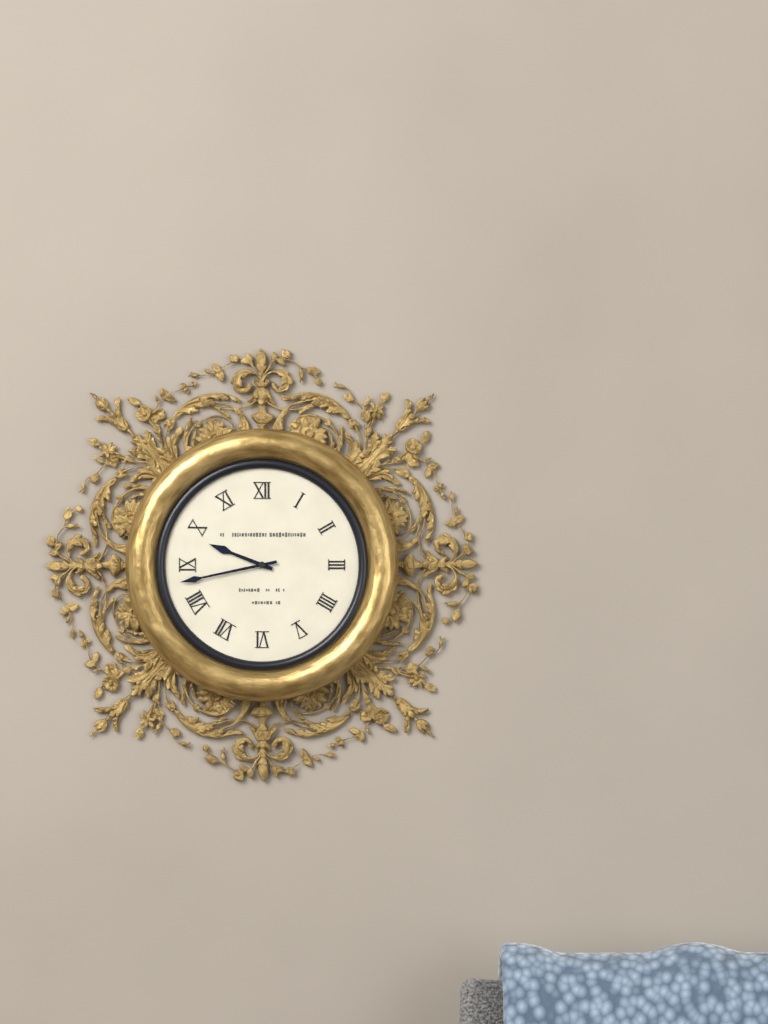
9:43
